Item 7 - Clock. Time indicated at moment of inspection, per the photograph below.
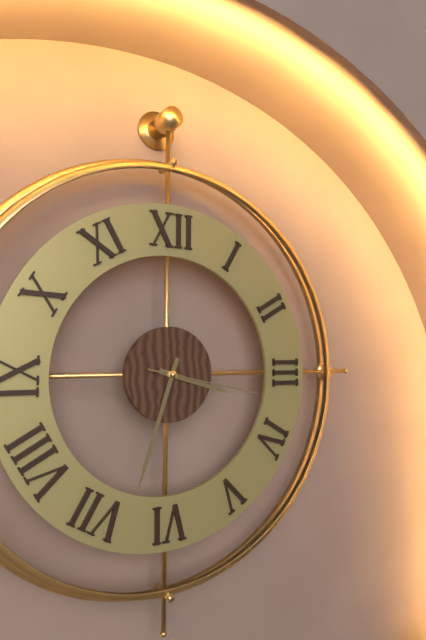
3:33:17
